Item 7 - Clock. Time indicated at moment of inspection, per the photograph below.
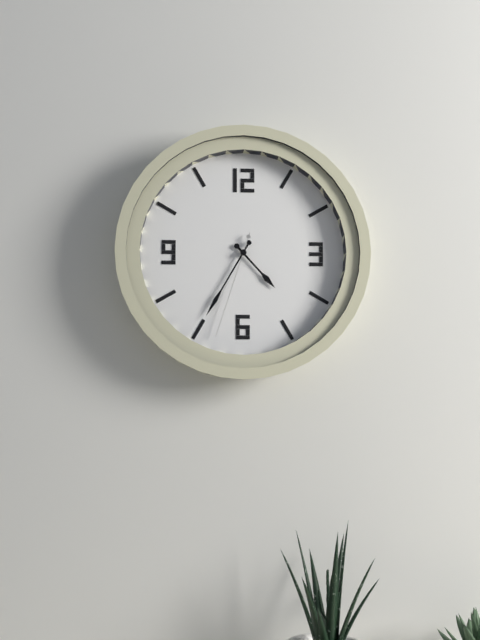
4:35:33
